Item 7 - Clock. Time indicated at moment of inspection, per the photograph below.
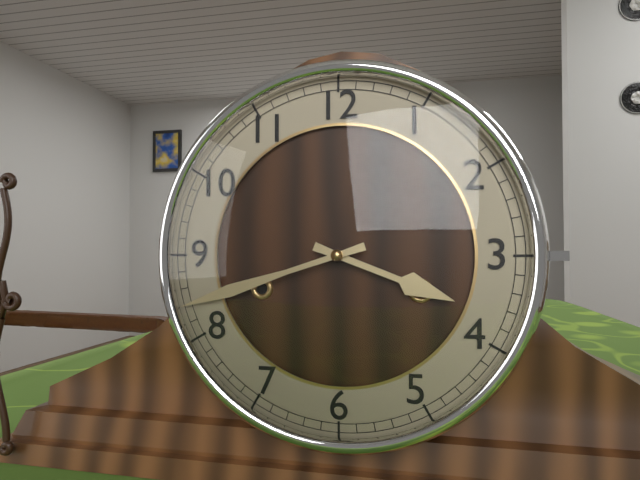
3:42
